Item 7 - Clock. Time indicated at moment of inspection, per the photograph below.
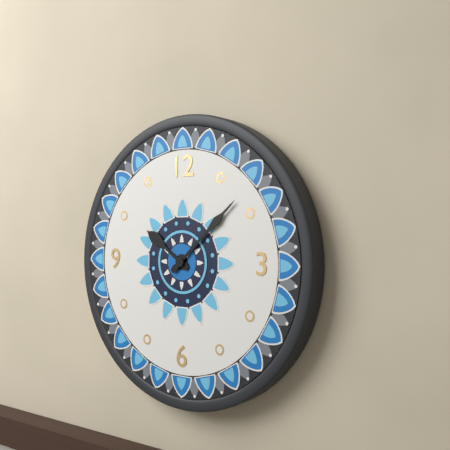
10:08
